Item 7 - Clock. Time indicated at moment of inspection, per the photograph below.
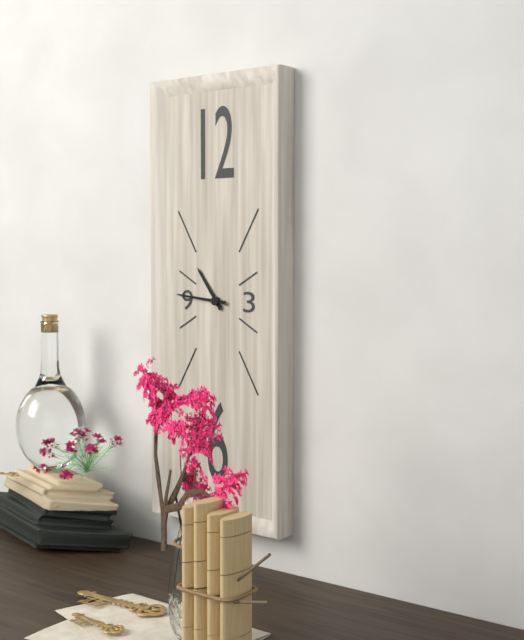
10:46
